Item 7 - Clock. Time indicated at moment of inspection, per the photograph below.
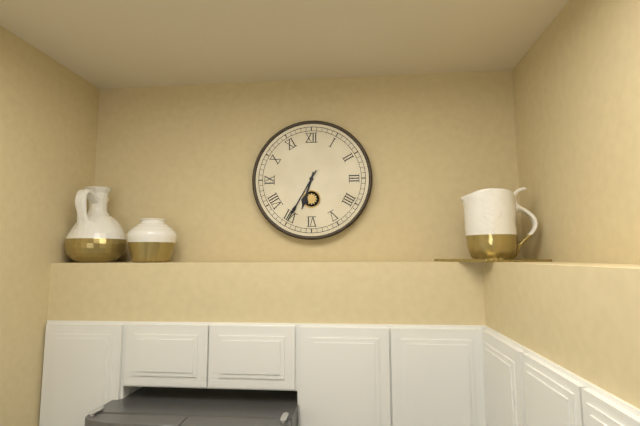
6:35
